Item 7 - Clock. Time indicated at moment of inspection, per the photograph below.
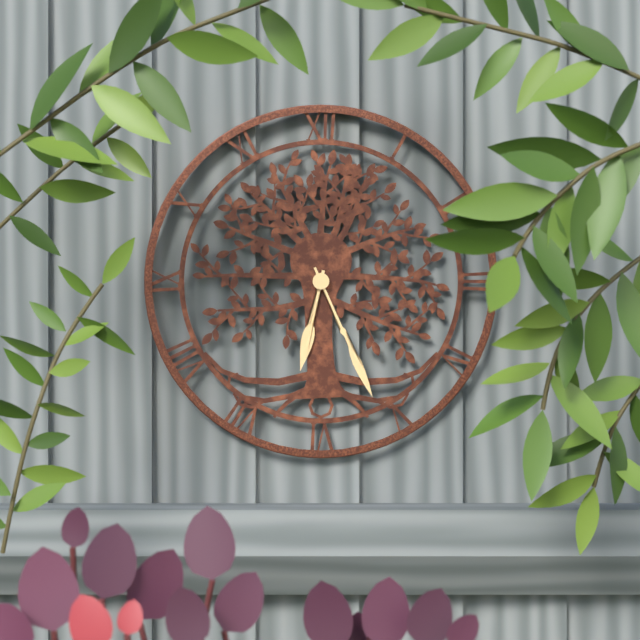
6:26
